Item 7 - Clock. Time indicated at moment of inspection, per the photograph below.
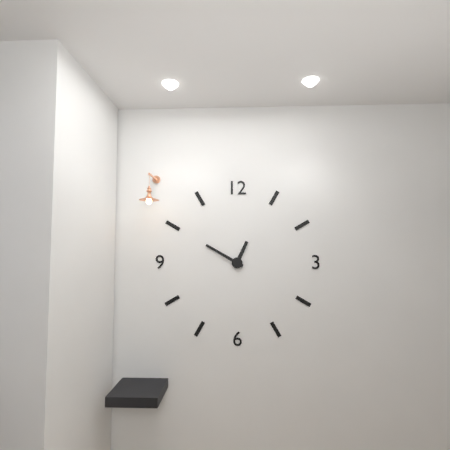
12:50
